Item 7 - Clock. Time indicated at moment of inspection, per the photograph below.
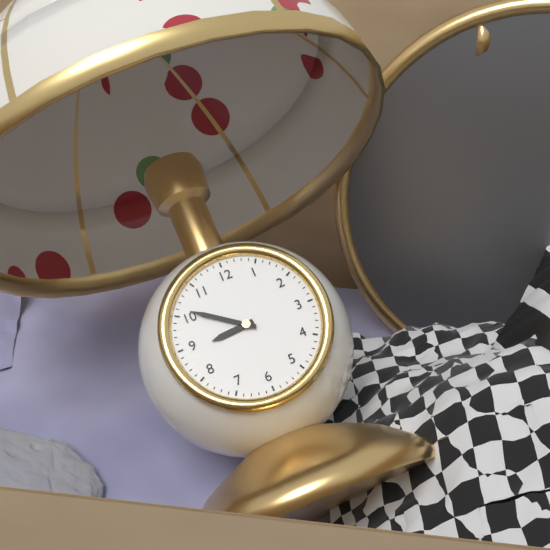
8:51
